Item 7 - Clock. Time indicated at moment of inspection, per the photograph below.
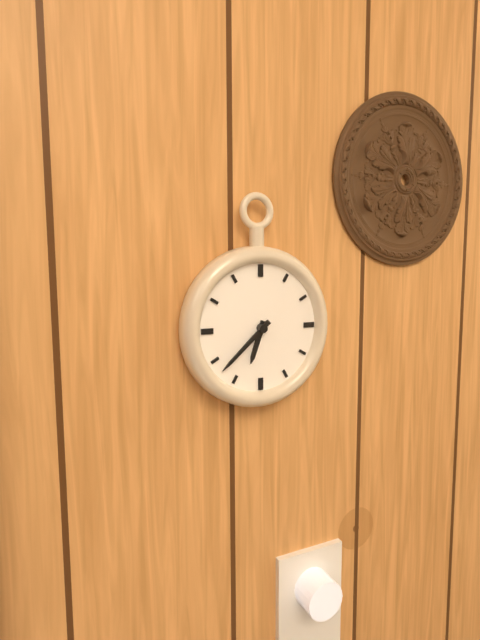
6:38
